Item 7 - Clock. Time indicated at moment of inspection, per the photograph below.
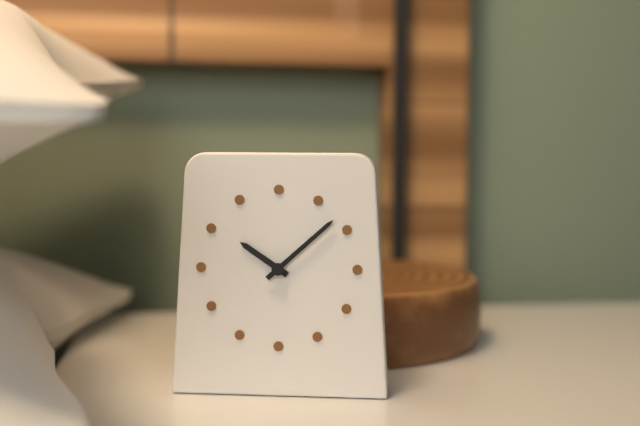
10:08
